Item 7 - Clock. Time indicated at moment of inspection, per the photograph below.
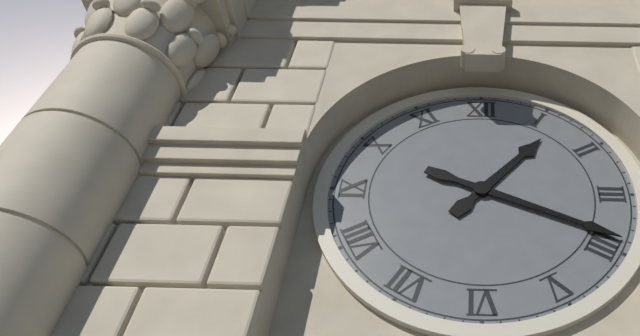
1:19
